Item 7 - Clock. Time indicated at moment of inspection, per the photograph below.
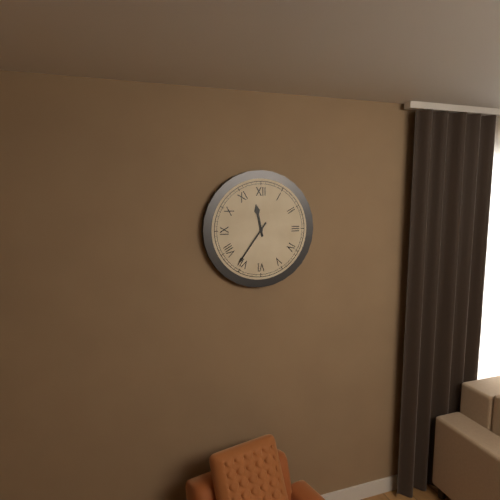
11:36
